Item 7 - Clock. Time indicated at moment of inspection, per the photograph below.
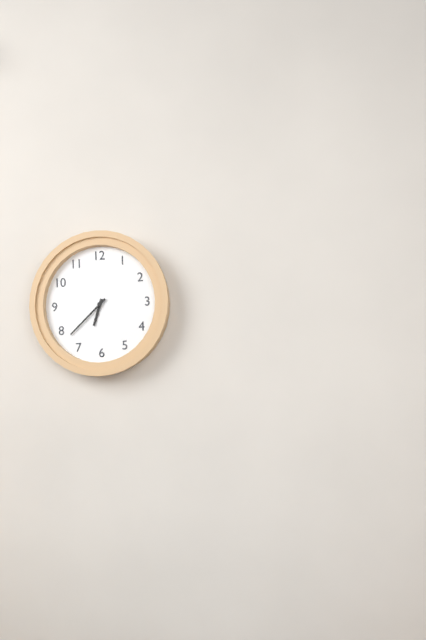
6:38
